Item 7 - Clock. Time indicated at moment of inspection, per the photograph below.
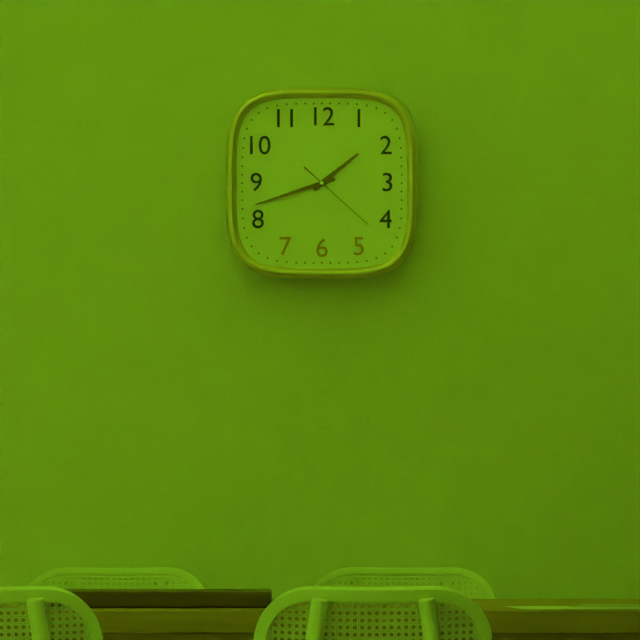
1:42:22
